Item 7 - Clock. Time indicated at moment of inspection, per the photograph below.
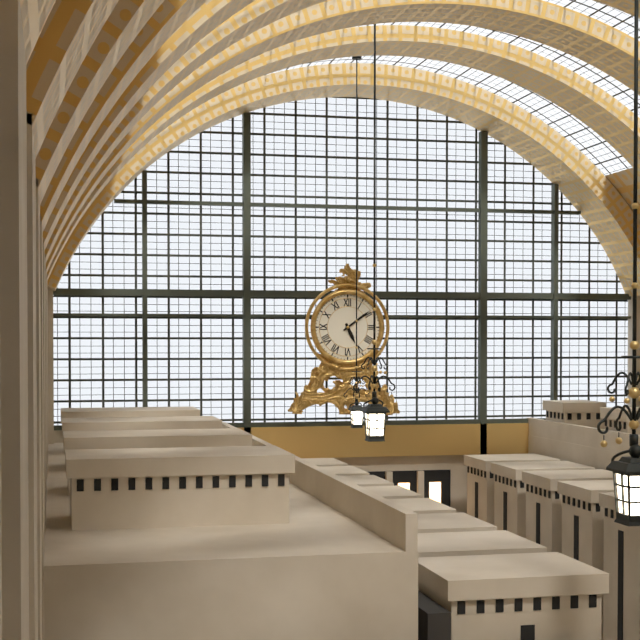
5:09
